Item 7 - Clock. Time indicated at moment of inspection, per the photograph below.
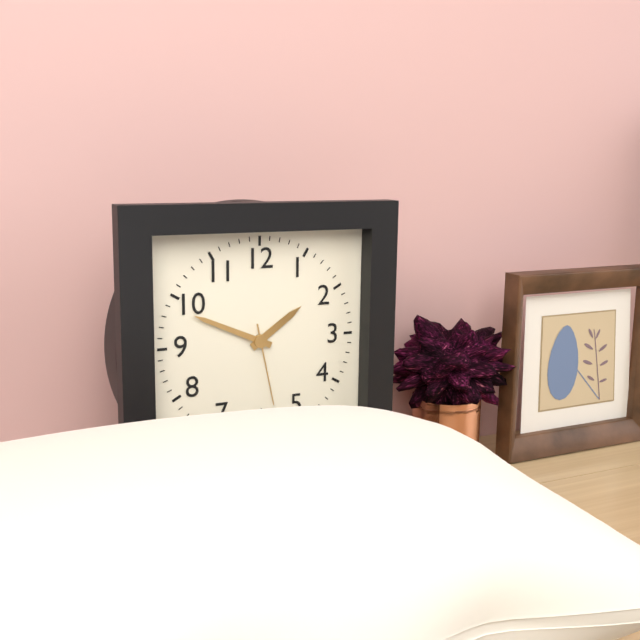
1:49:28
